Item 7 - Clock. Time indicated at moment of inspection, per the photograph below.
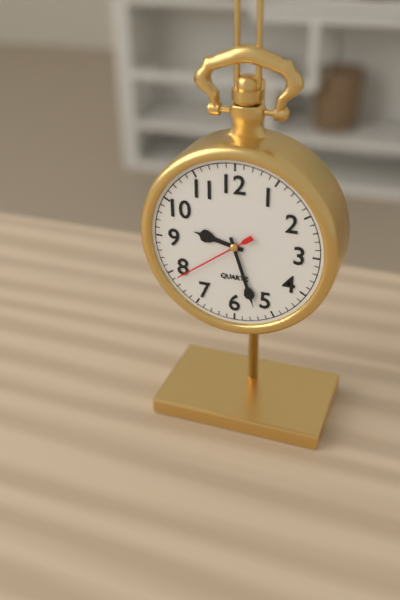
9:27:39
